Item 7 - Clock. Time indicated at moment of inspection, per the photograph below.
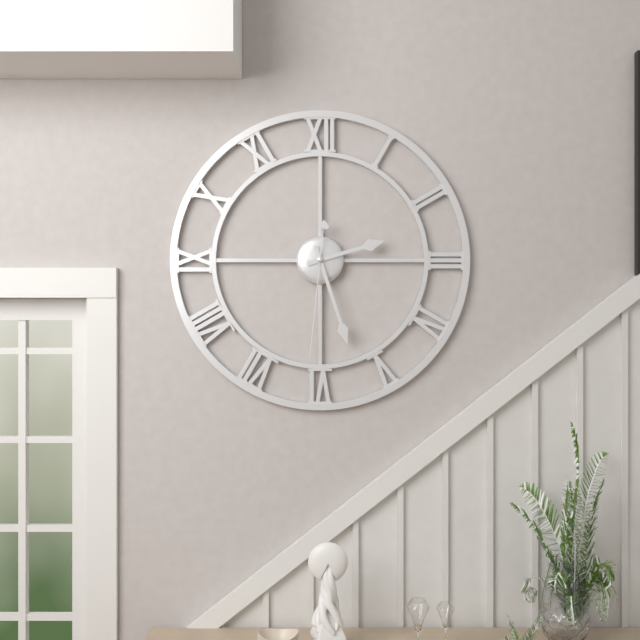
2:27:31
